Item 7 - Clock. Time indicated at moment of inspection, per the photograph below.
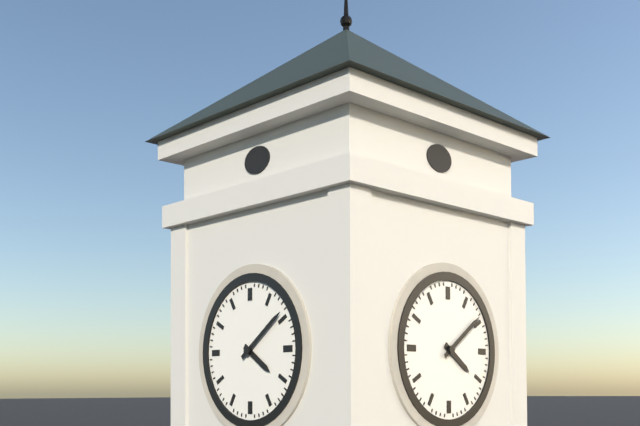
4:09
